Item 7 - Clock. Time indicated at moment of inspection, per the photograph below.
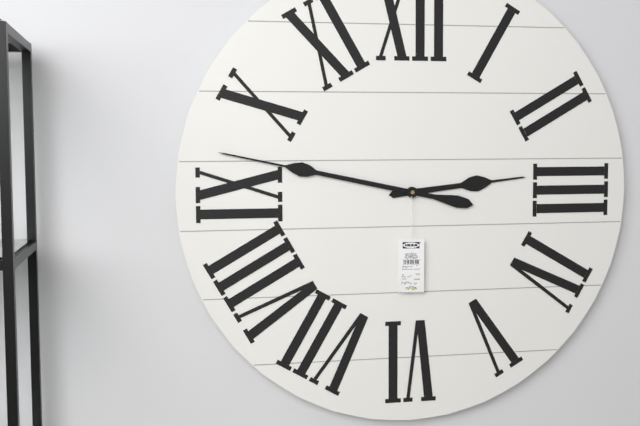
2:47
